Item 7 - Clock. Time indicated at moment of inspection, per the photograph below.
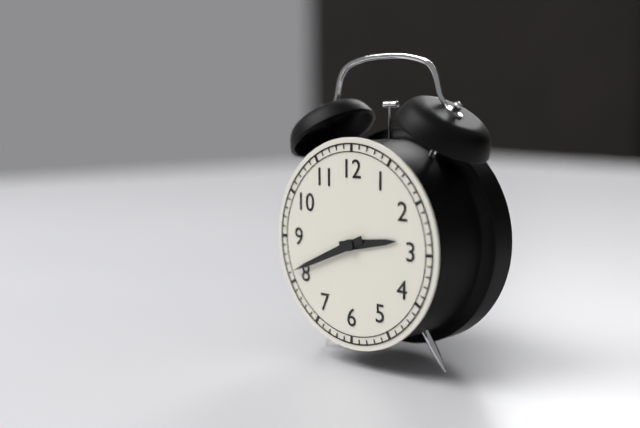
2:41
